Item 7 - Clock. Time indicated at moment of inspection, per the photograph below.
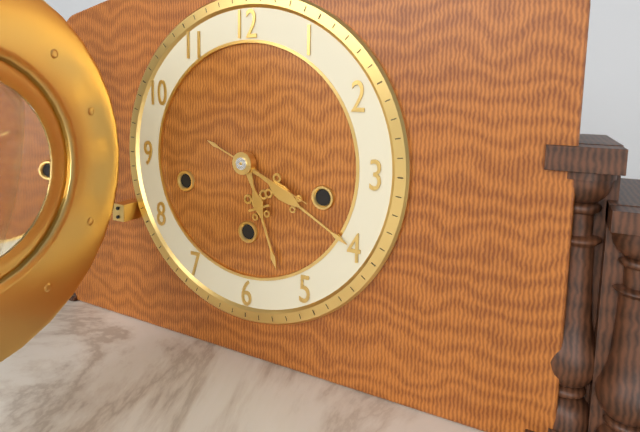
5:20:19
